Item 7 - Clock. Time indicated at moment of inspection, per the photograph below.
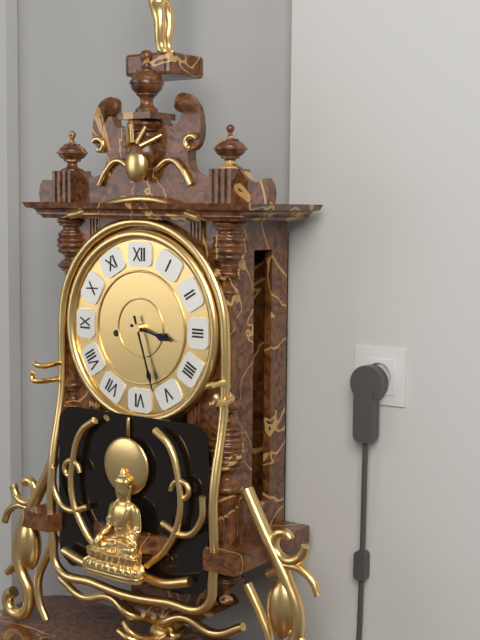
3:27
